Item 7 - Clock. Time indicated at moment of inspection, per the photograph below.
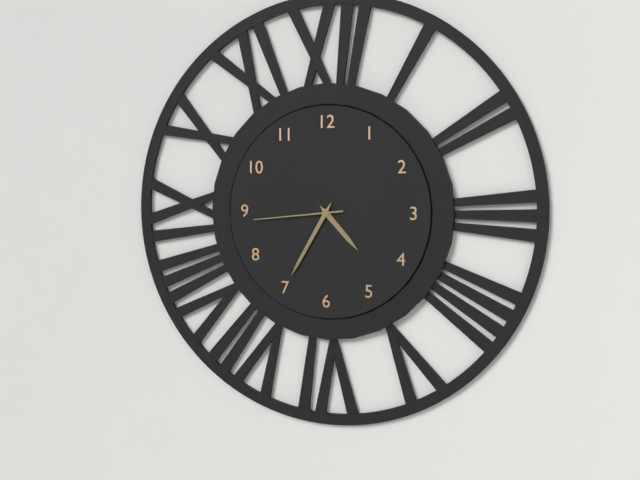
4:35:44
